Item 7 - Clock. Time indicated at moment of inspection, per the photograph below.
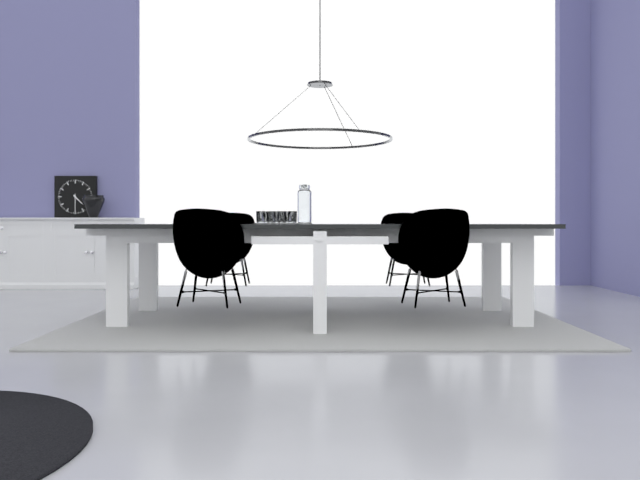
4:30
